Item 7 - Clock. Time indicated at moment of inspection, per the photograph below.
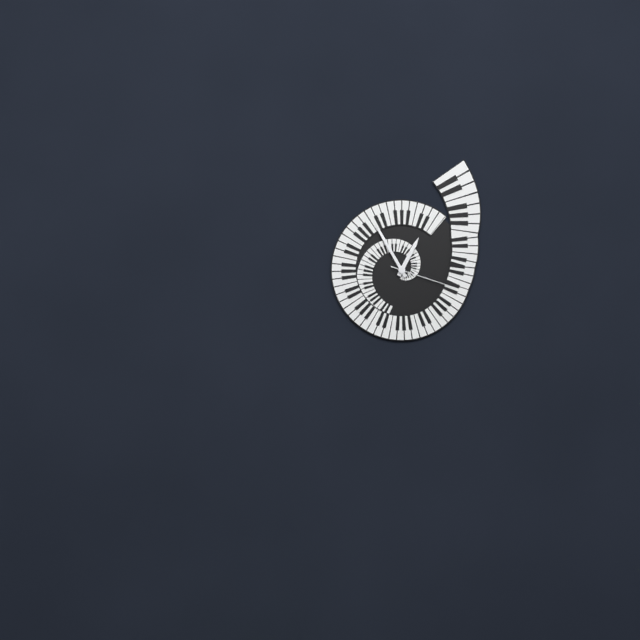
12:55:18
